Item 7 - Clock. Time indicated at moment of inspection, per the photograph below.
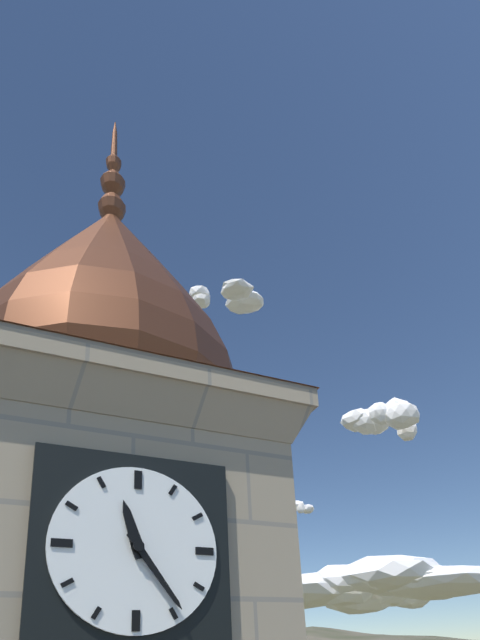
11:24
